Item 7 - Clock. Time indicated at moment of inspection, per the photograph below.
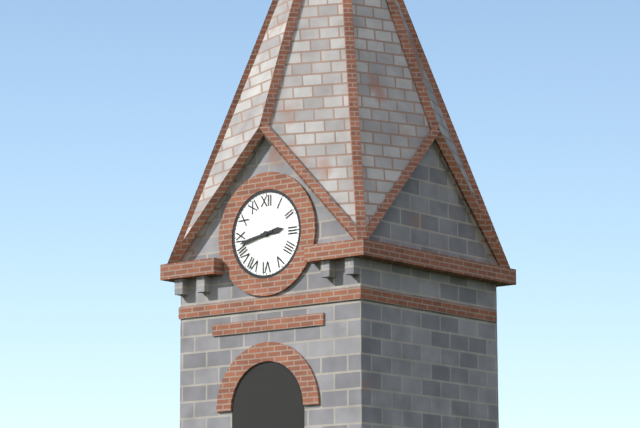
2:43
